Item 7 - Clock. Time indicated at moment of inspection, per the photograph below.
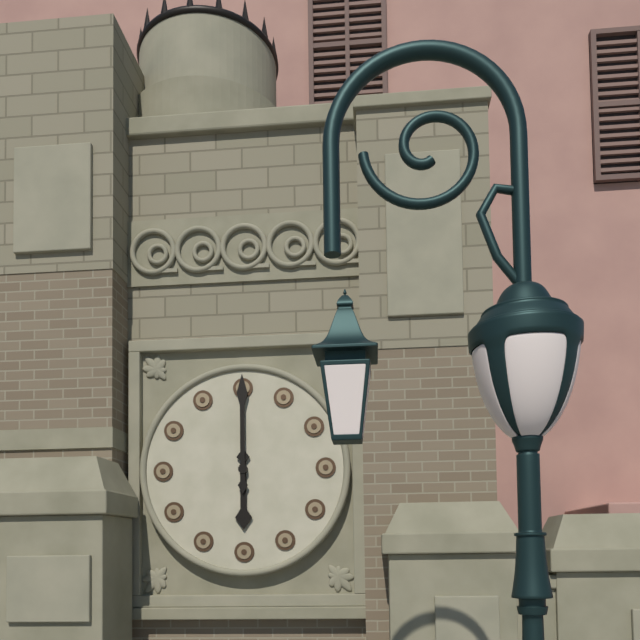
6:00
